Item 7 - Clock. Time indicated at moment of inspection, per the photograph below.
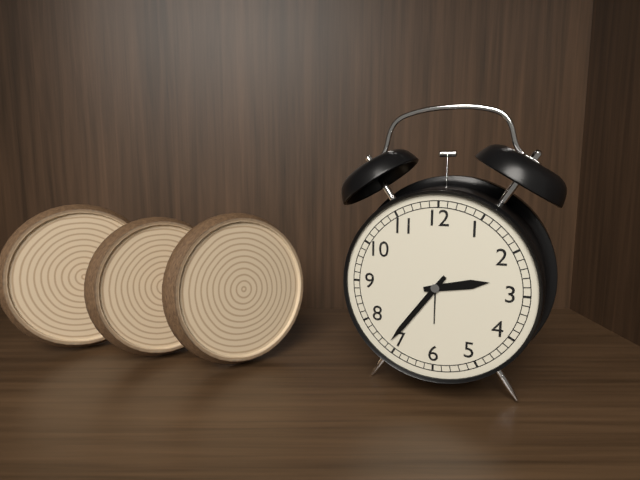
2:36
